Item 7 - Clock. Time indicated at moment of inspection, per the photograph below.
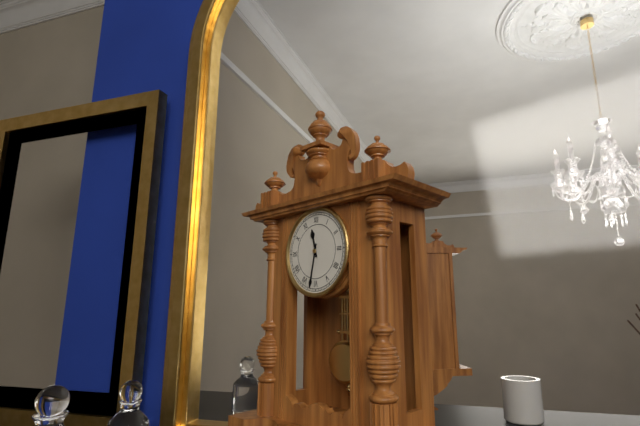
11:32
